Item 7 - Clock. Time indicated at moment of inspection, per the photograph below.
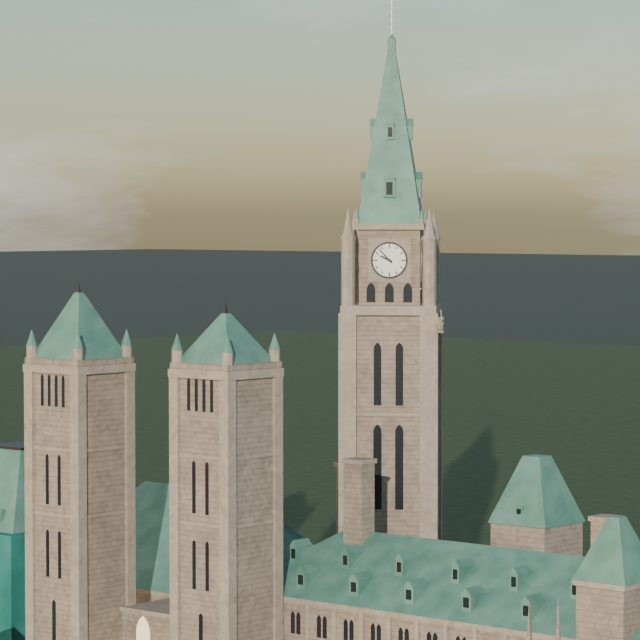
9:53
